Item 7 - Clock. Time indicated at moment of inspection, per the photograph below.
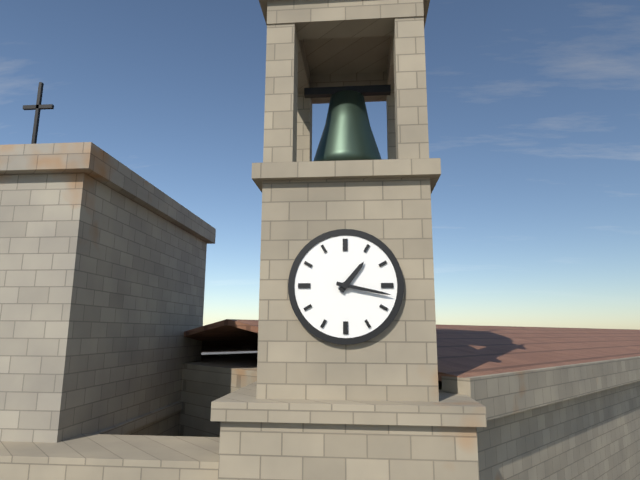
1:17
